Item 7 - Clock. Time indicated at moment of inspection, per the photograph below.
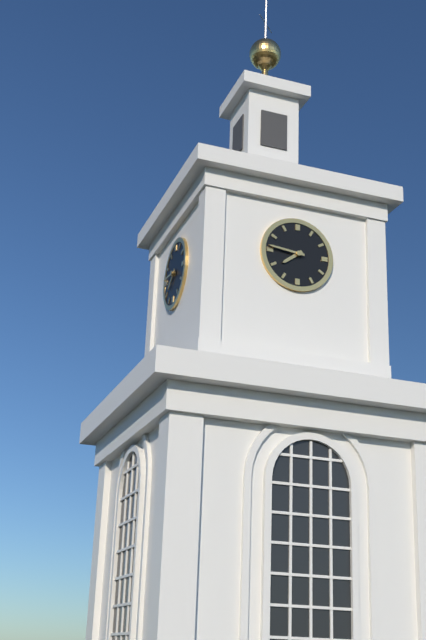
7:46
